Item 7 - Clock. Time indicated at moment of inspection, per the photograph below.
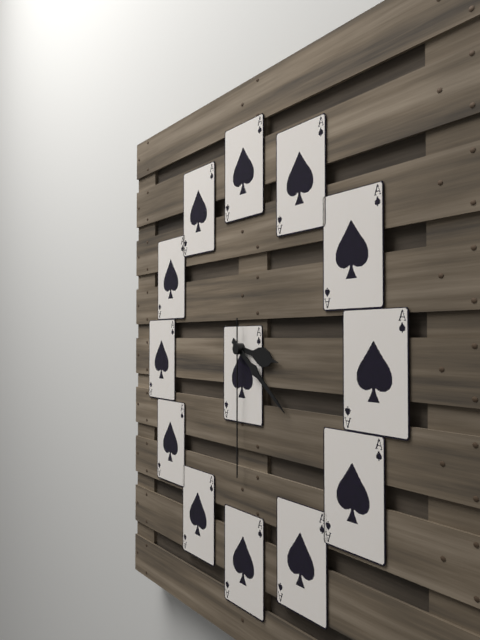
3:21:30
